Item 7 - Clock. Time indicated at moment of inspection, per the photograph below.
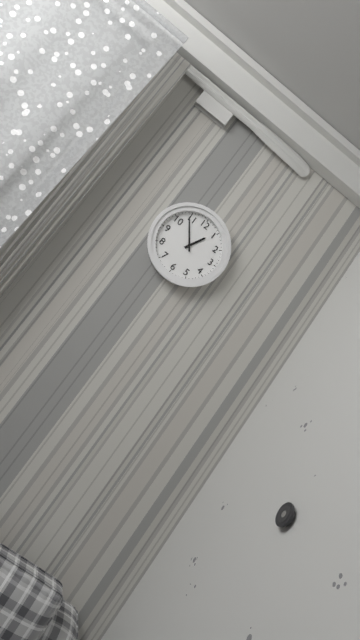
12:54
